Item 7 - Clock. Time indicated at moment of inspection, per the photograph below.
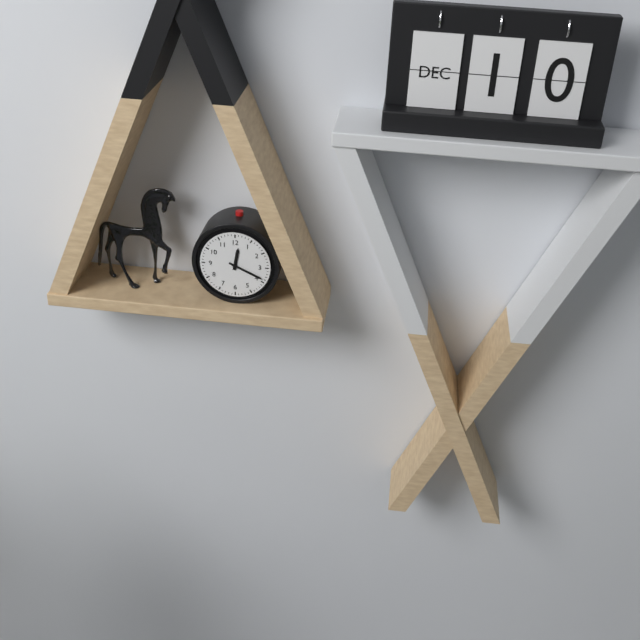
12:19
